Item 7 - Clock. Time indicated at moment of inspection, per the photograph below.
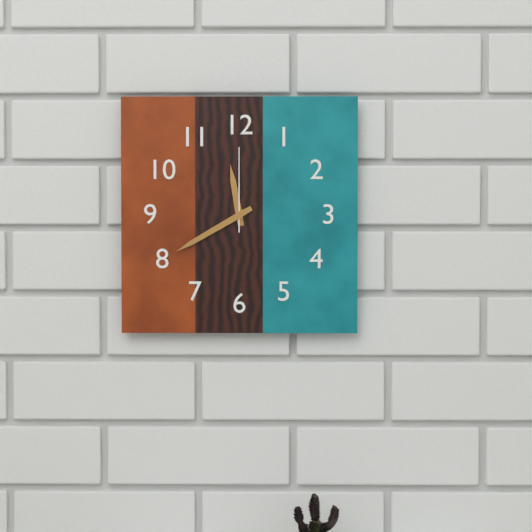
11:40:00
